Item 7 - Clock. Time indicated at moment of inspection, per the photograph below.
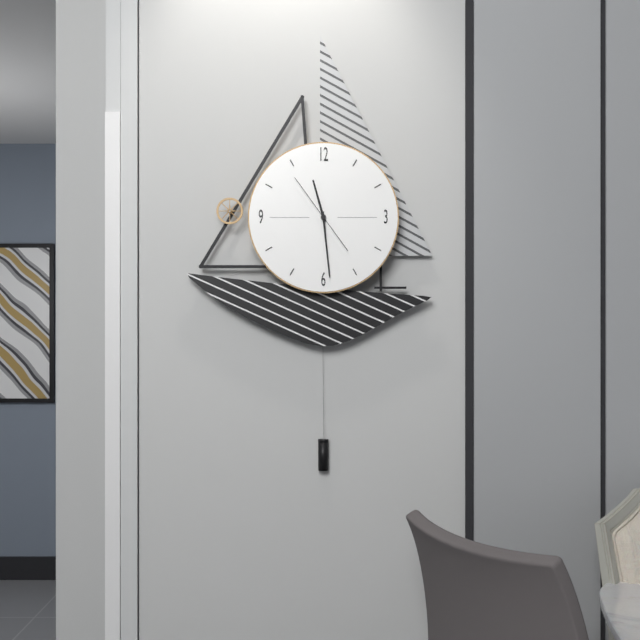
11:29:54
